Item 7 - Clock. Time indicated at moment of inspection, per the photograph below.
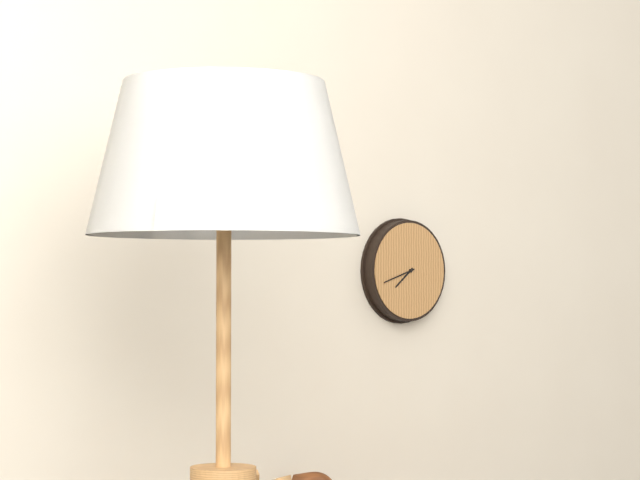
7:42
